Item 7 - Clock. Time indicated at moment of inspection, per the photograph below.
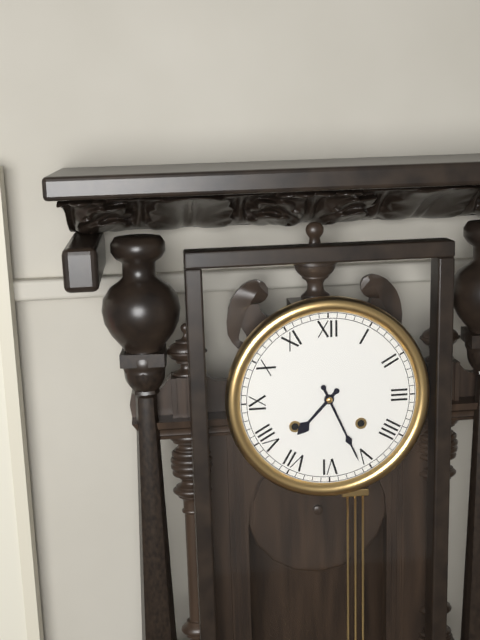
7:26
